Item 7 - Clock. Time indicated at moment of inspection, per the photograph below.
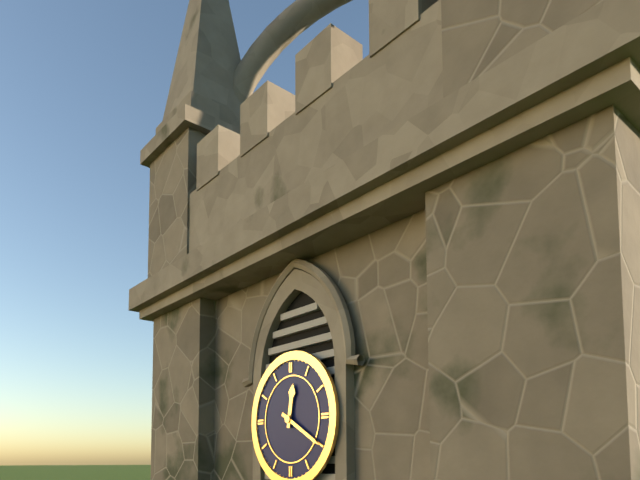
12:20
